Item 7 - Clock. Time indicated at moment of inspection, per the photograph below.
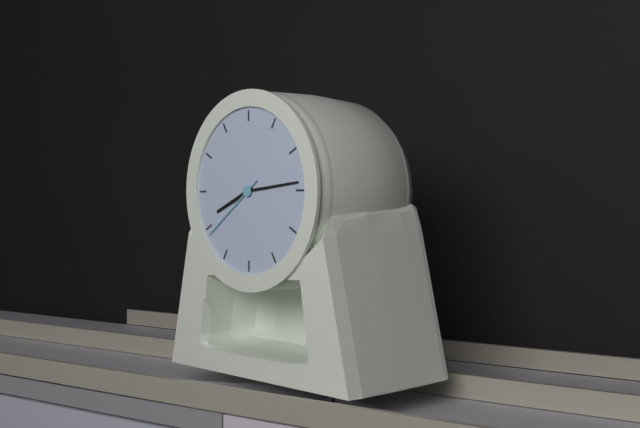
8:14:39
